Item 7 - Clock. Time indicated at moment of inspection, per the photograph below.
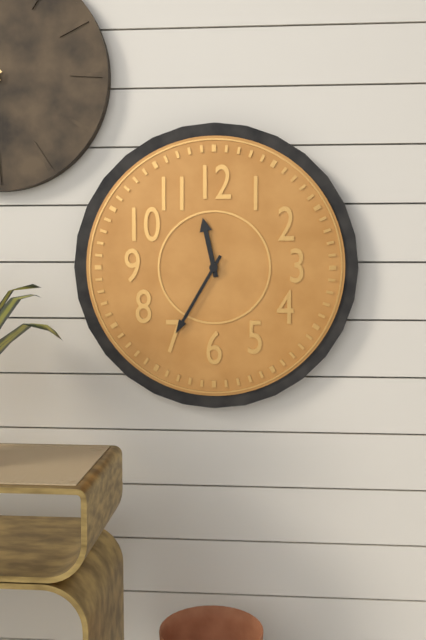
11:35
